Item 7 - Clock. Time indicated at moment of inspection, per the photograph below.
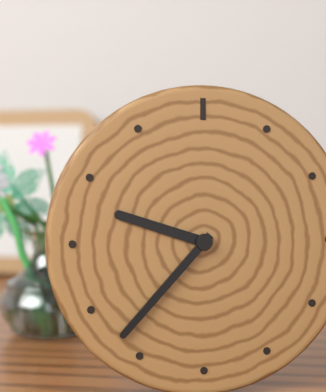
9:37
